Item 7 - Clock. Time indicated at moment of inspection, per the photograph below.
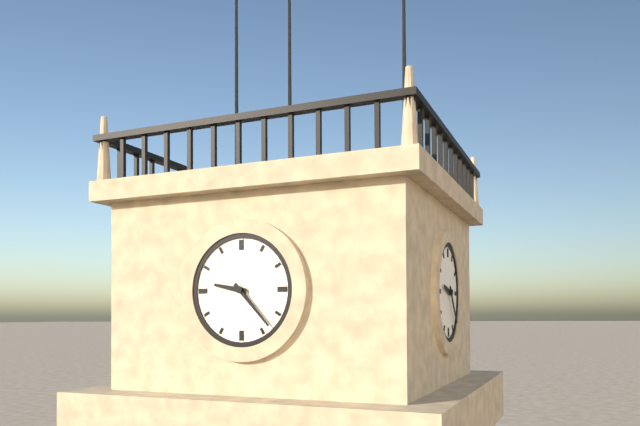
9:23
